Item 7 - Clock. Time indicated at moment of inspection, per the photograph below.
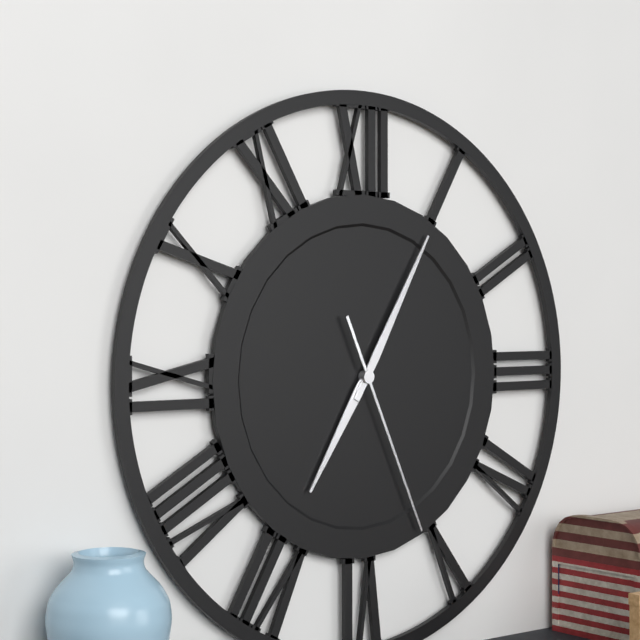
7:05:26
